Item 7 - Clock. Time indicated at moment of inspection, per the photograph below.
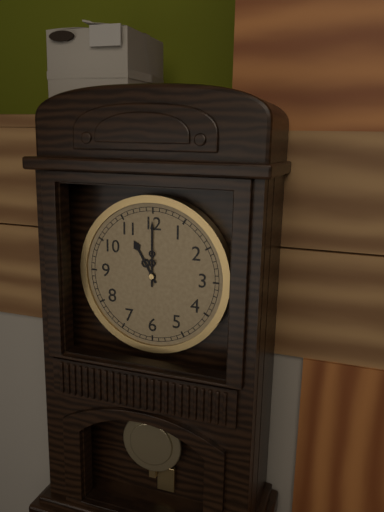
11:00
